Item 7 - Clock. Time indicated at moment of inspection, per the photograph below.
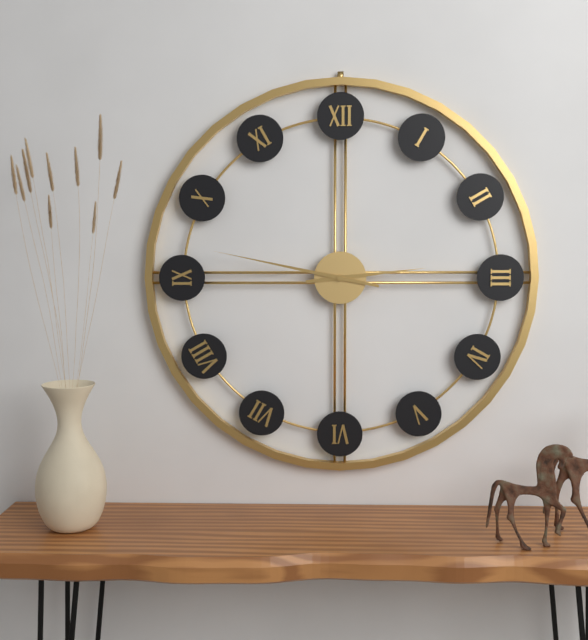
2:47
